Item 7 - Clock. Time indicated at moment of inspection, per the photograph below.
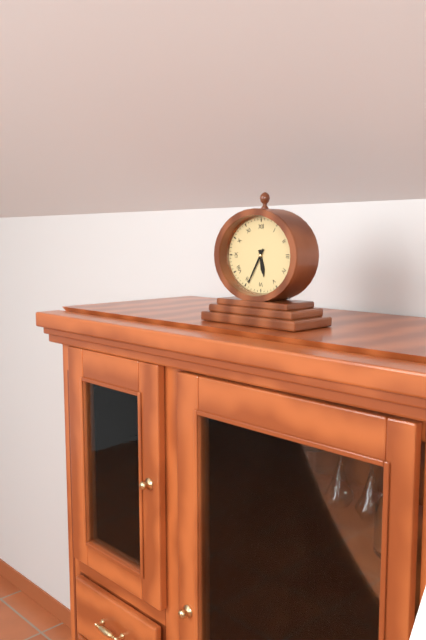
5:35
